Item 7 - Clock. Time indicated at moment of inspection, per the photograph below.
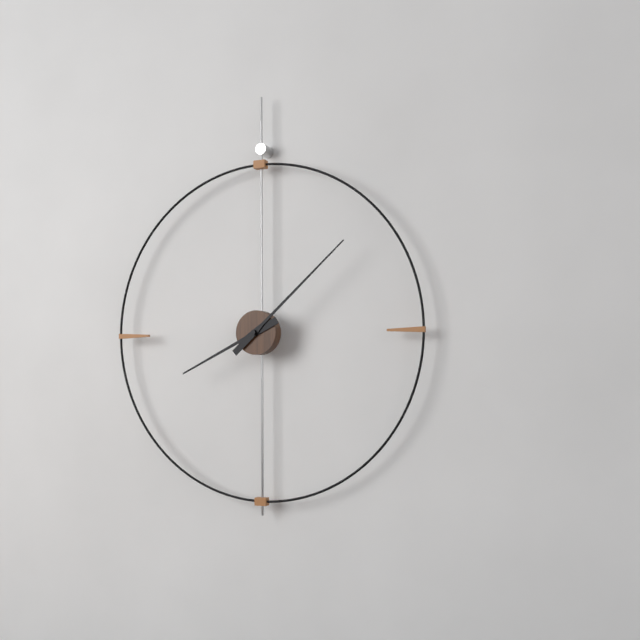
8:08
